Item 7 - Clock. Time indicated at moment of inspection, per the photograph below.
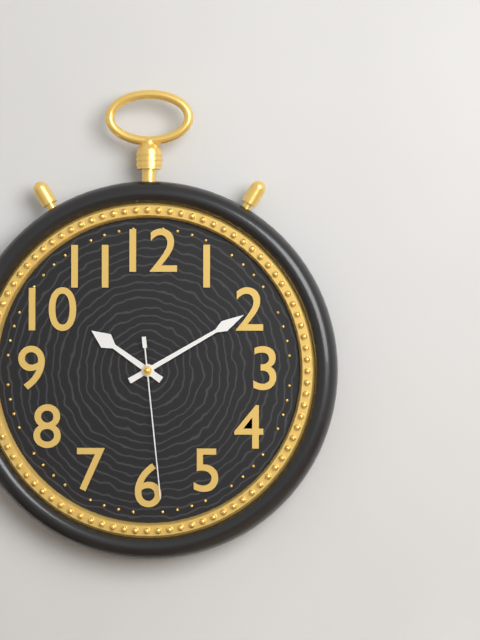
10:10:29
